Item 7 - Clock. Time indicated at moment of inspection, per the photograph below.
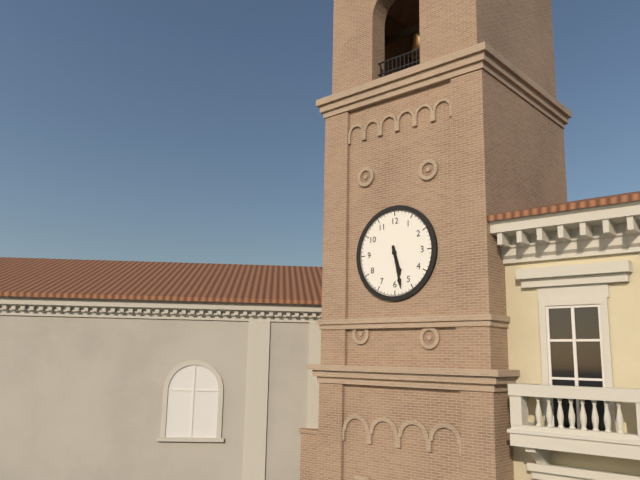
5:28
